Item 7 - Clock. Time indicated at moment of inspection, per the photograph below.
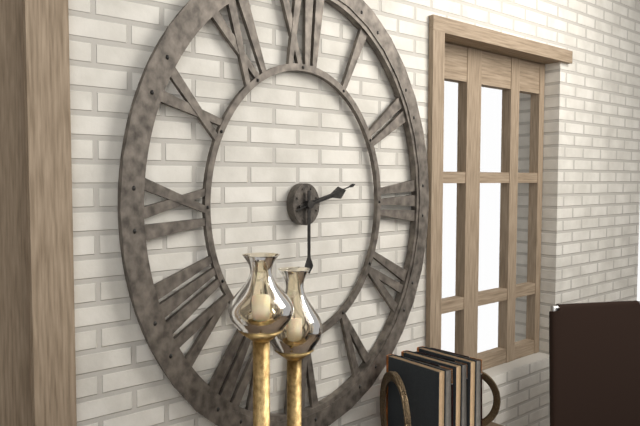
2:30:12
